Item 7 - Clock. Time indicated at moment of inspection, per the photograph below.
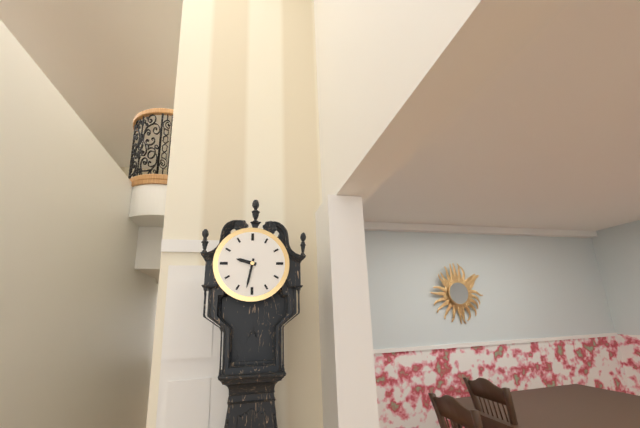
9:32
